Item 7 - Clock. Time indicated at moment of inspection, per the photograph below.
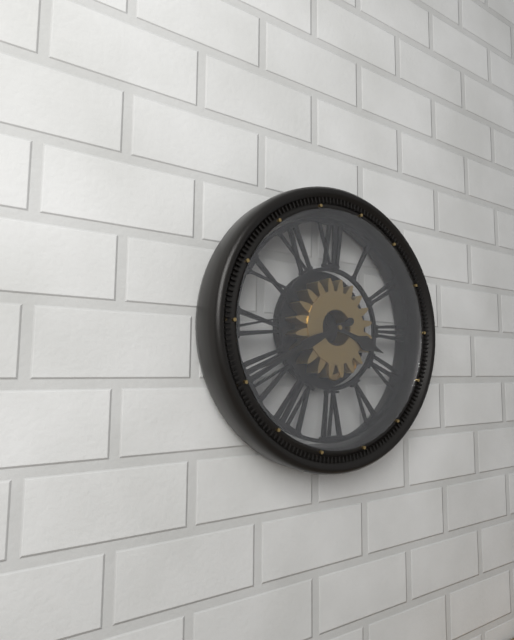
3:41
